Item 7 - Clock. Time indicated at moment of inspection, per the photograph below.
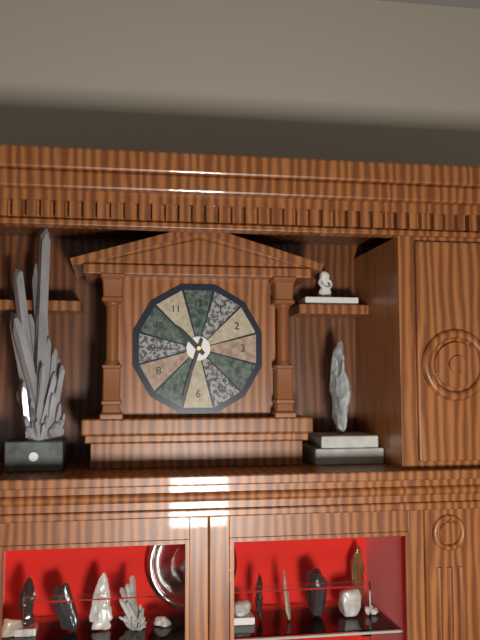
10:33
